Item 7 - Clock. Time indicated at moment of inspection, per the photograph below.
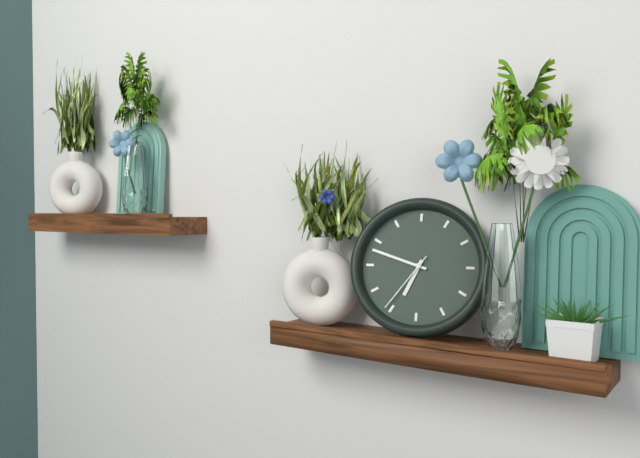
6:48:36
